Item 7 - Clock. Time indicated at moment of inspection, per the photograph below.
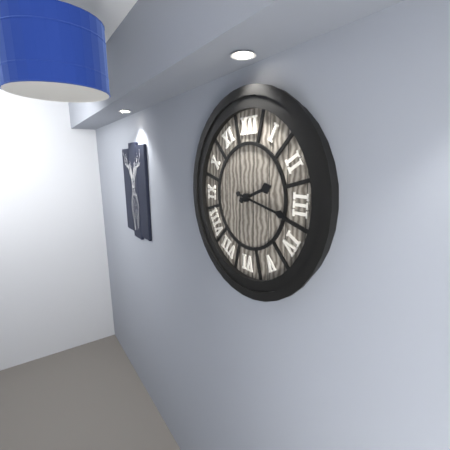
2:17
